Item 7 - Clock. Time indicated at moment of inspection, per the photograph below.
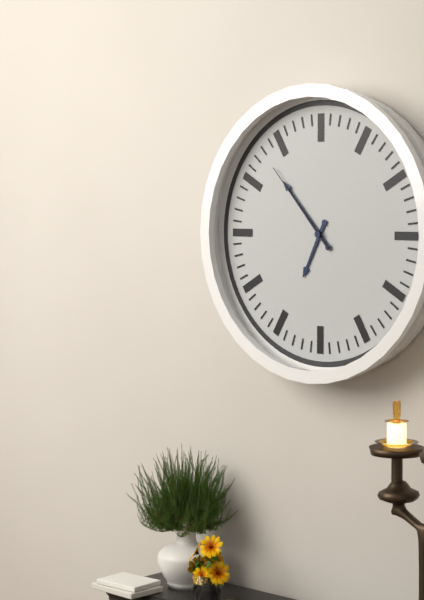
6:53:53
